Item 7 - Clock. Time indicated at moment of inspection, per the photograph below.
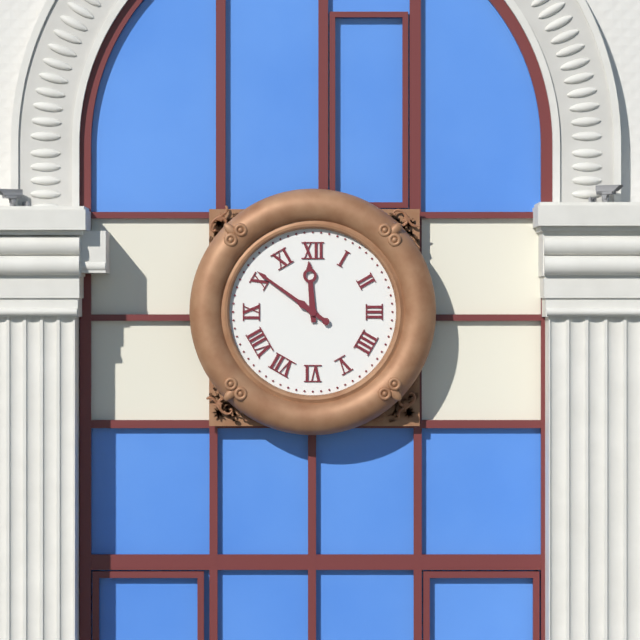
11:51
